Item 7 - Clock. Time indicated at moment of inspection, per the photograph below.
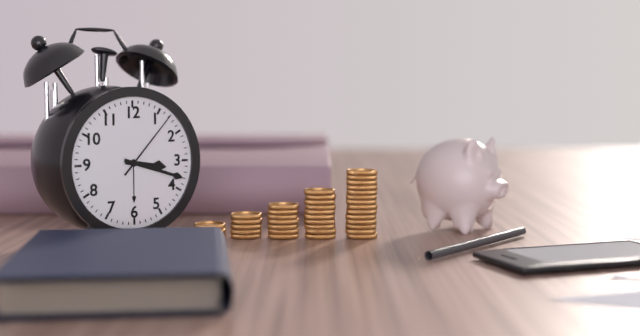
3:18:07
